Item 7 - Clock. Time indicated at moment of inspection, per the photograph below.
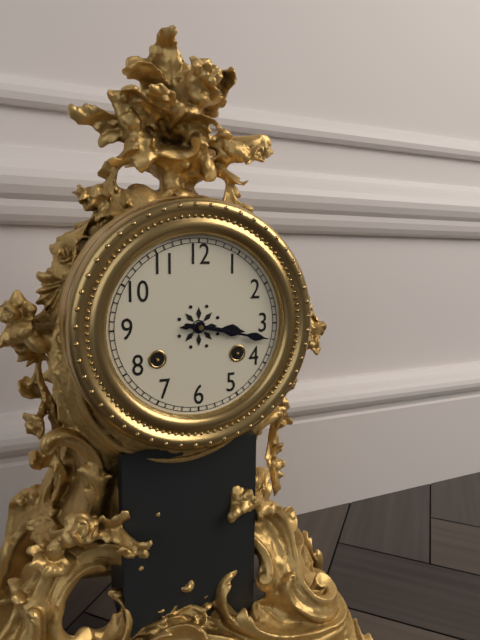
3:17
